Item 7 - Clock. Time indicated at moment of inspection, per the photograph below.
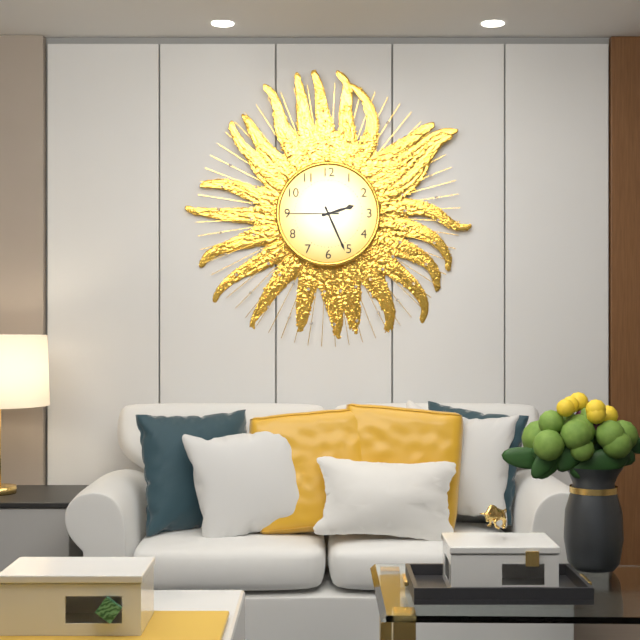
2:26:45
